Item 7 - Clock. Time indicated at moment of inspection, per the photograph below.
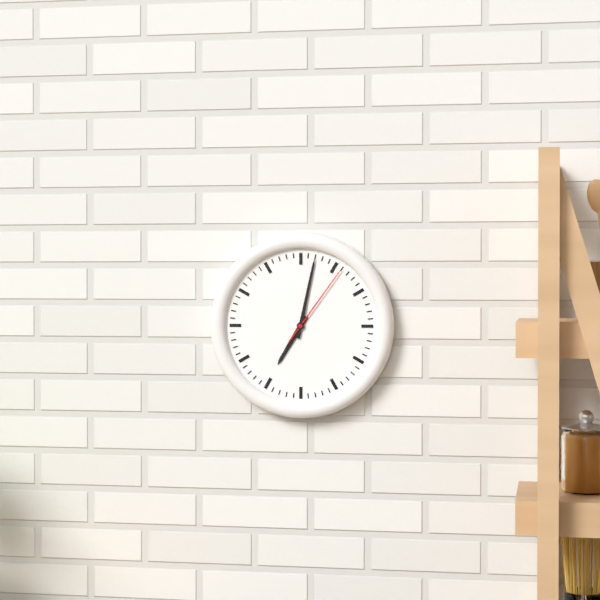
7:02:06
